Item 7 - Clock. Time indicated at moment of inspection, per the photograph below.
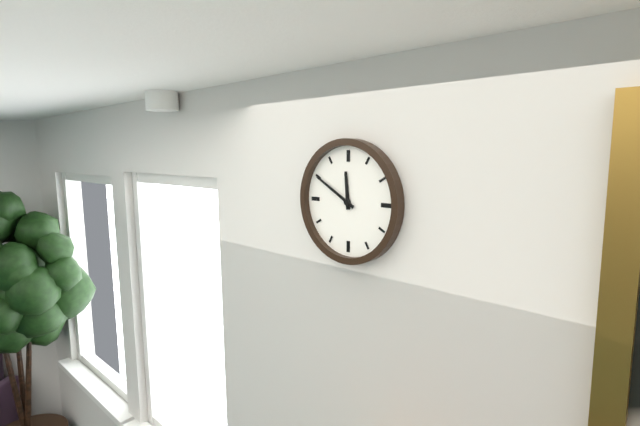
11:50
